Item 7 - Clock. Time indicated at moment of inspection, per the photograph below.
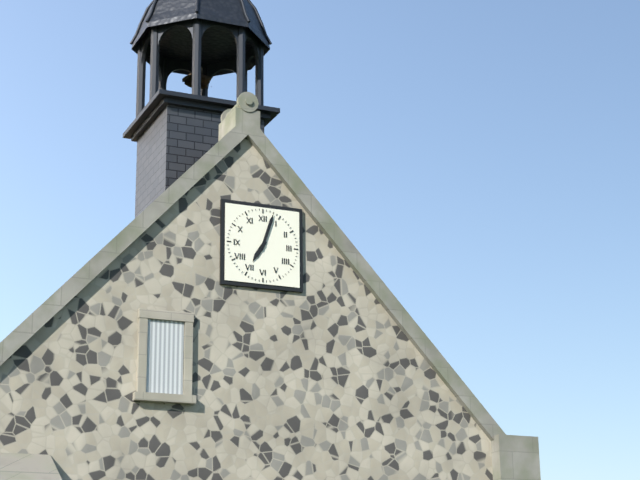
7:03
